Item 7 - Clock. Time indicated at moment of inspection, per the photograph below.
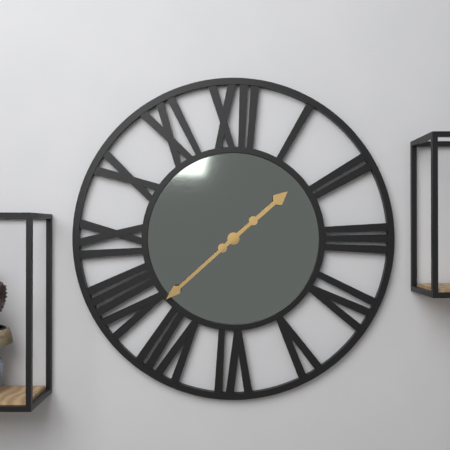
1:38
